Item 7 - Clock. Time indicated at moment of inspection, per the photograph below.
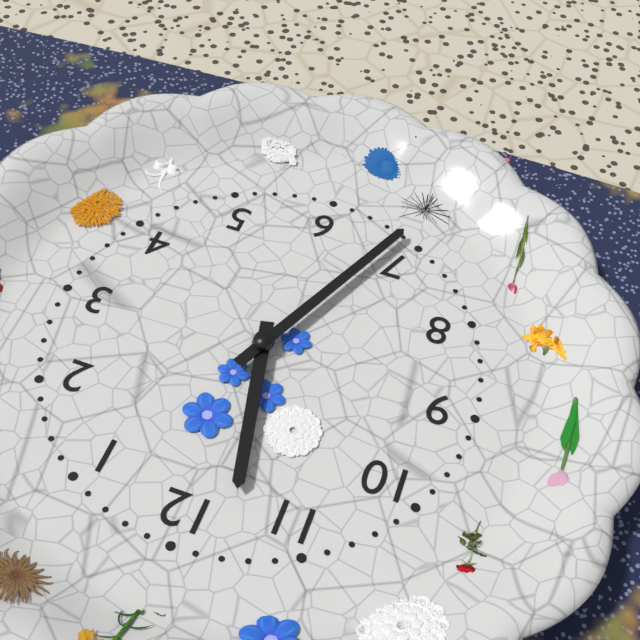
11:34
